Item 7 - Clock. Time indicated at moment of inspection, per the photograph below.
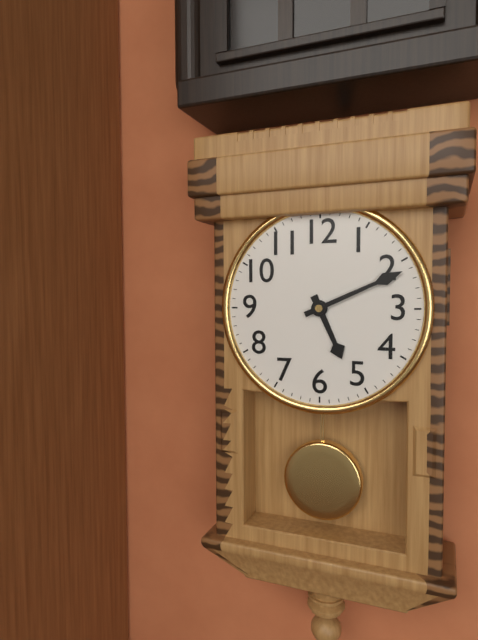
5:11
